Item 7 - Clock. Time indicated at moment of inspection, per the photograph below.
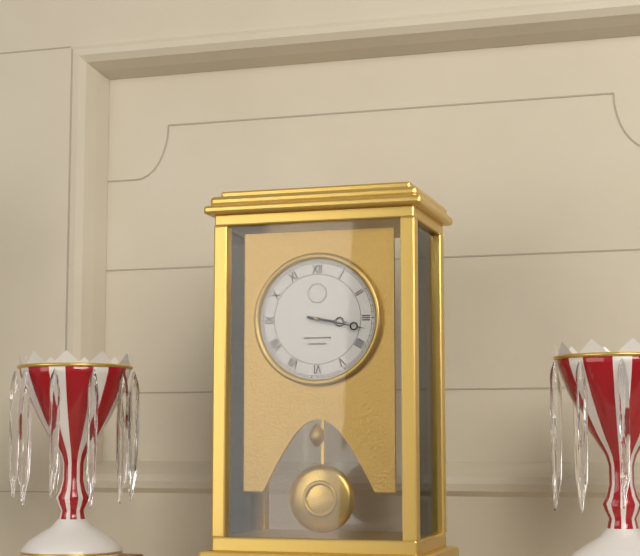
3:17
